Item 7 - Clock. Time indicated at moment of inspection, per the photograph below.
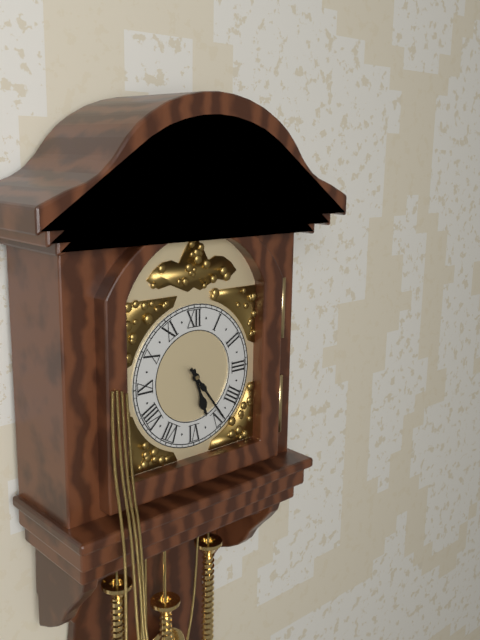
5:24
